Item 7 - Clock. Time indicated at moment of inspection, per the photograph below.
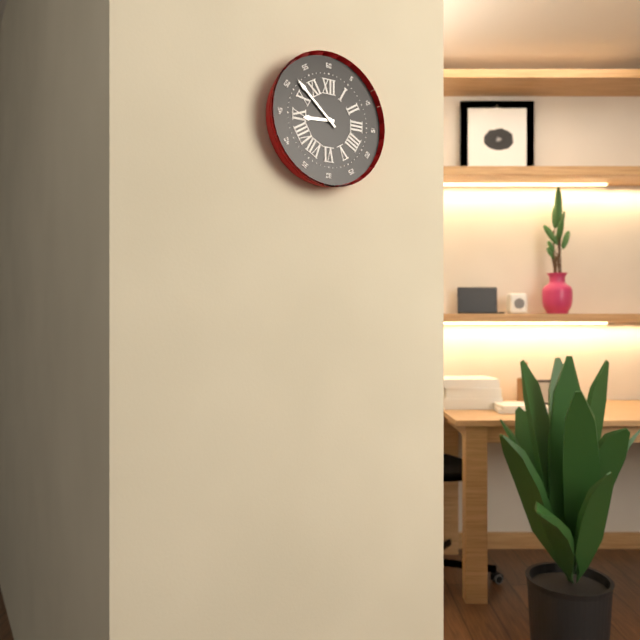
8:52
